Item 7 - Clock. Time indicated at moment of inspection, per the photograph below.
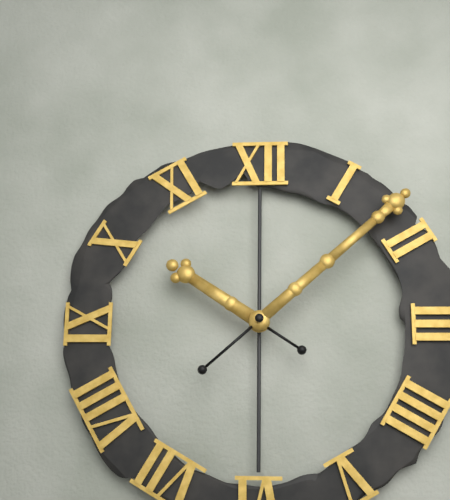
10:08
